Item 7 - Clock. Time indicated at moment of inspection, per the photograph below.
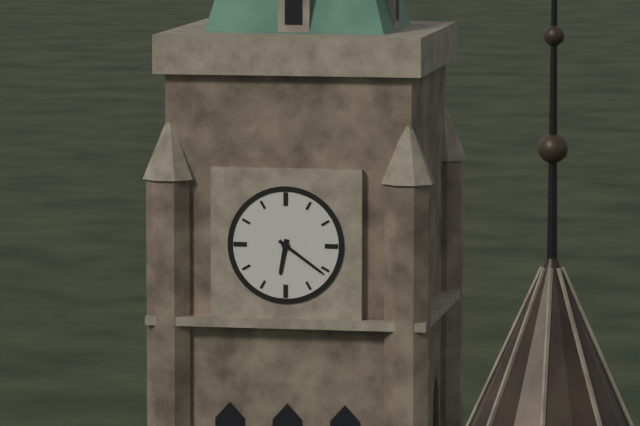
6:21
